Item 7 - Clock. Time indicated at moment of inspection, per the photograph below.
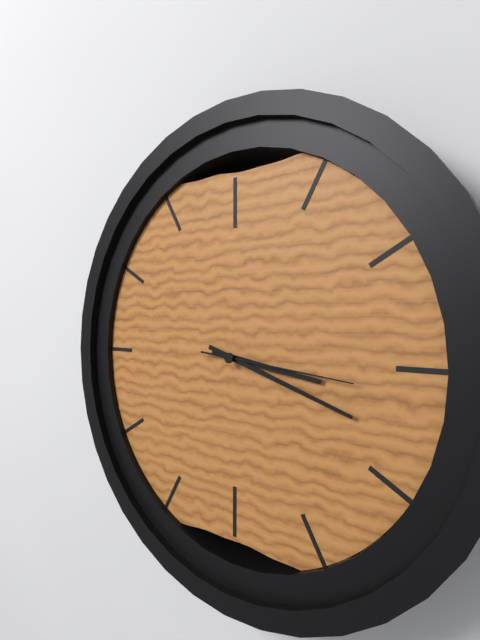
3:18:16
